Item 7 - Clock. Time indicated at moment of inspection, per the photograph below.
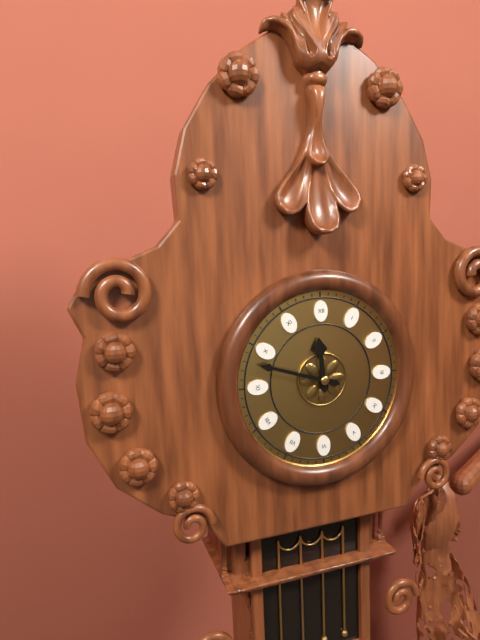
11:48
